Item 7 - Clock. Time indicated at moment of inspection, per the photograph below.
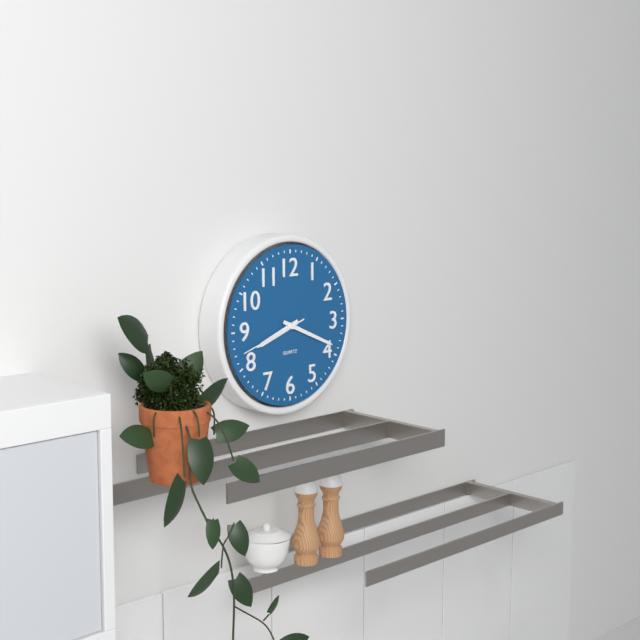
8:19:42
